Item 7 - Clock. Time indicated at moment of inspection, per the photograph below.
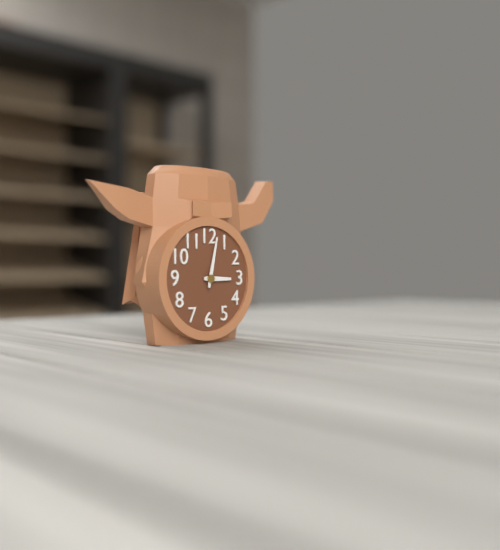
3:02
